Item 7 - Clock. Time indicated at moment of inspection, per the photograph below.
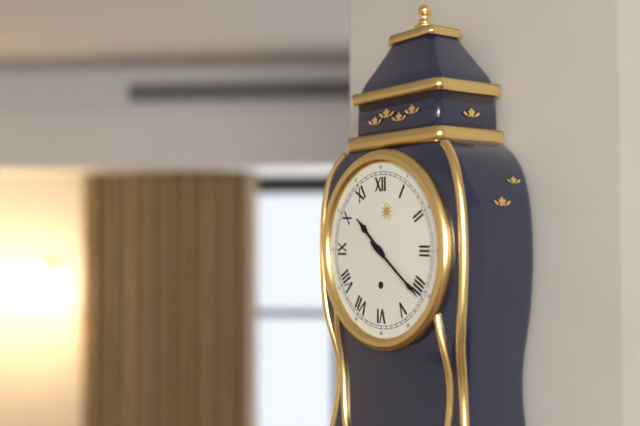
10:21
